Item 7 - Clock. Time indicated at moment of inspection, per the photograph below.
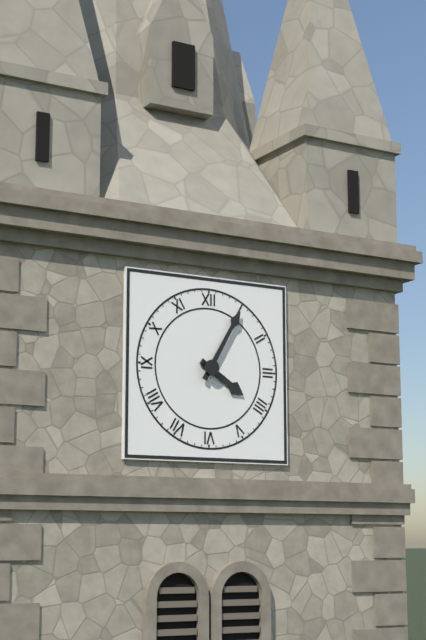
4:05
